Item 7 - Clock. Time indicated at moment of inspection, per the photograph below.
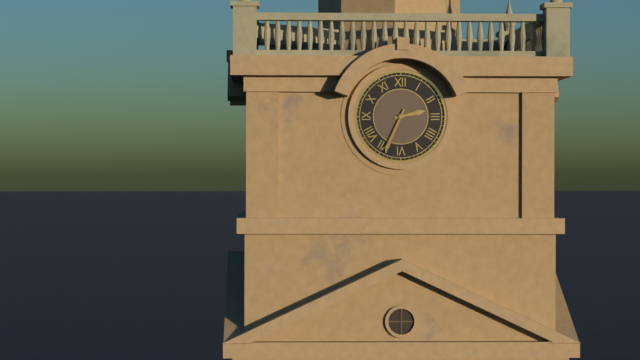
2:34
